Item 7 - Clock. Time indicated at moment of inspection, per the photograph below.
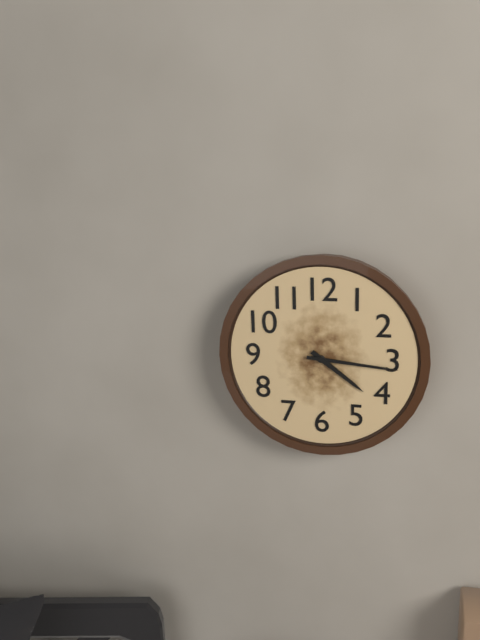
4:16
